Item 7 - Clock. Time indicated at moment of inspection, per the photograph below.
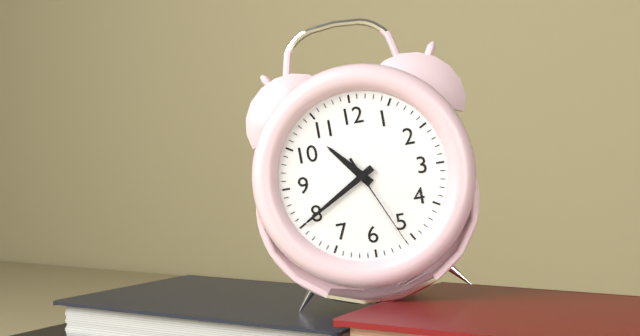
10:40:26
